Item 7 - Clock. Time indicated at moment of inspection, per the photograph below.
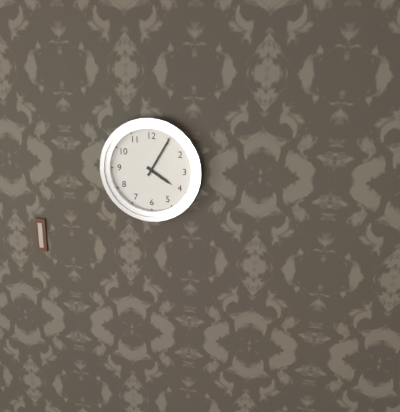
4:05
